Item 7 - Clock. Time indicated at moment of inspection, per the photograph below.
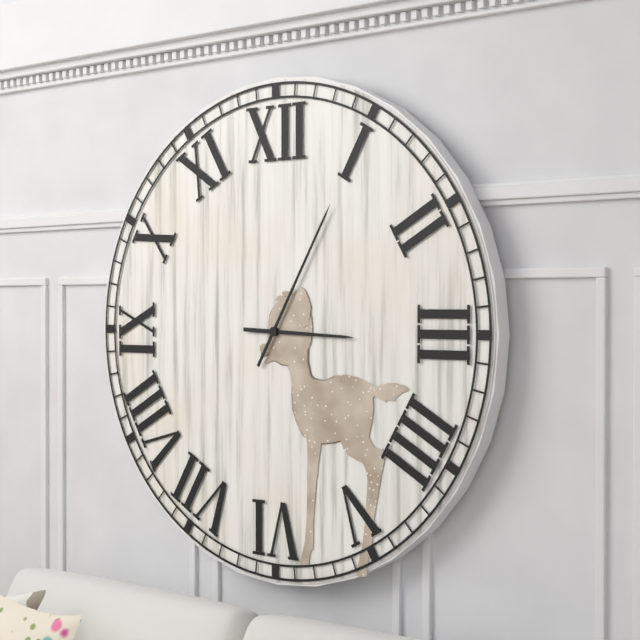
3:05
